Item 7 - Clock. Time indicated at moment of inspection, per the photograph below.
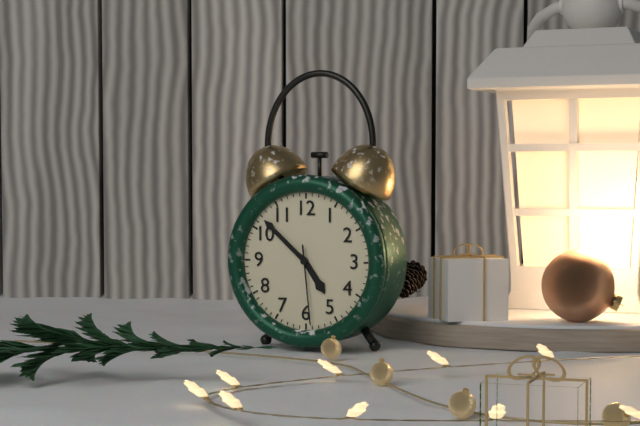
4:52:29
